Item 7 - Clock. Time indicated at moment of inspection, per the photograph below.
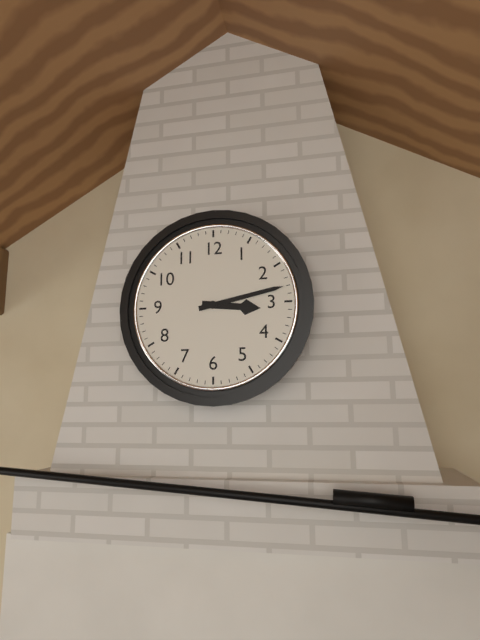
3:13
